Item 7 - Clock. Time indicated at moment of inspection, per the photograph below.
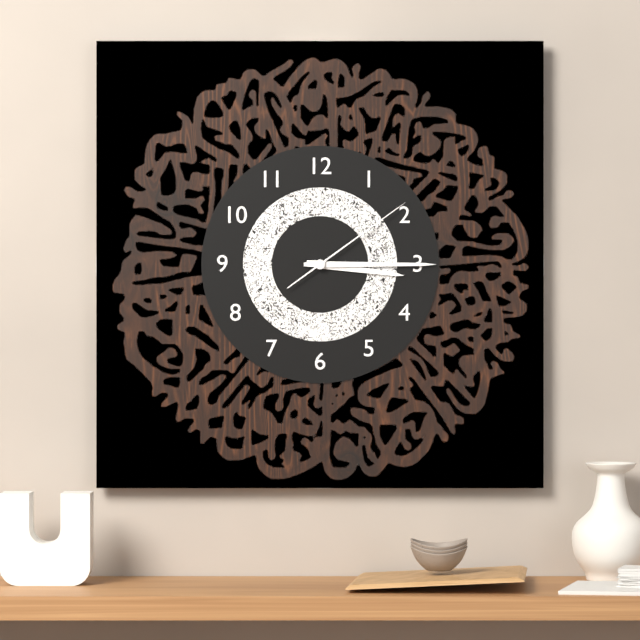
3:15:09
